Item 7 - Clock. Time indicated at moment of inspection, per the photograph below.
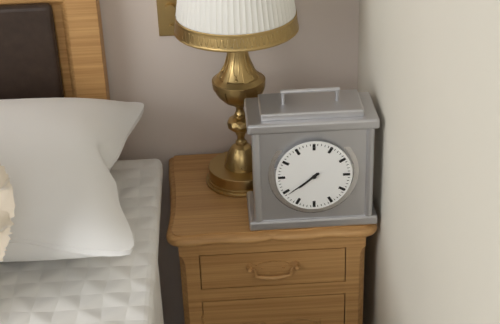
7:39
